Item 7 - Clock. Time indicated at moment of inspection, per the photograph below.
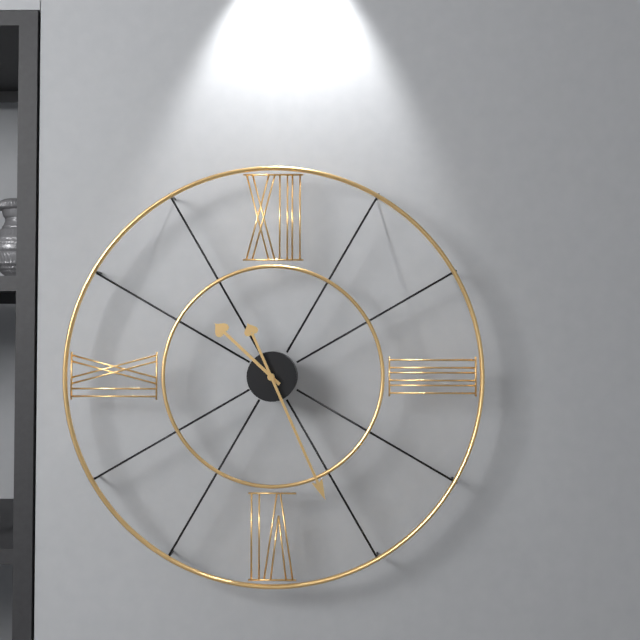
10:26
